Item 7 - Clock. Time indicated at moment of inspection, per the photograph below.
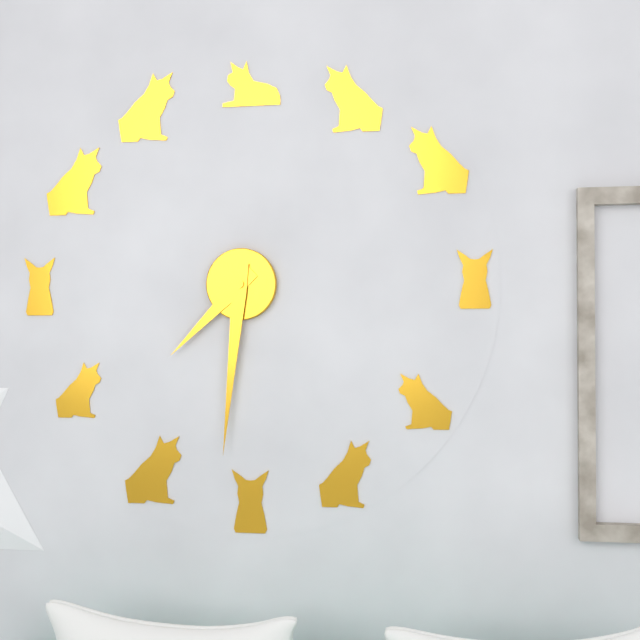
7:31
